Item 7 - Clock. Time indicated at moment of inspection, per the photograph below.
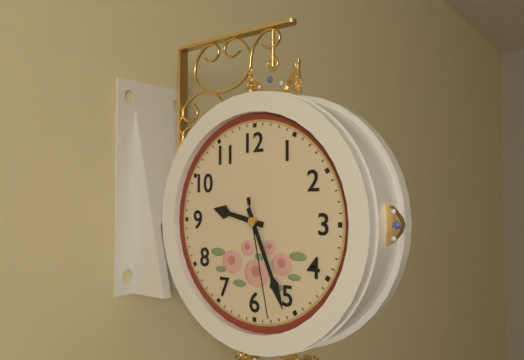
9:26:28
